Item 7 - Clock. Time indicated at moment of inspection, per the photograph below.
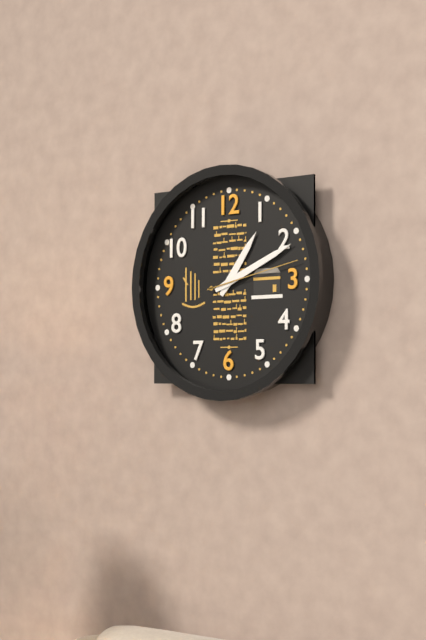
1:11:13
